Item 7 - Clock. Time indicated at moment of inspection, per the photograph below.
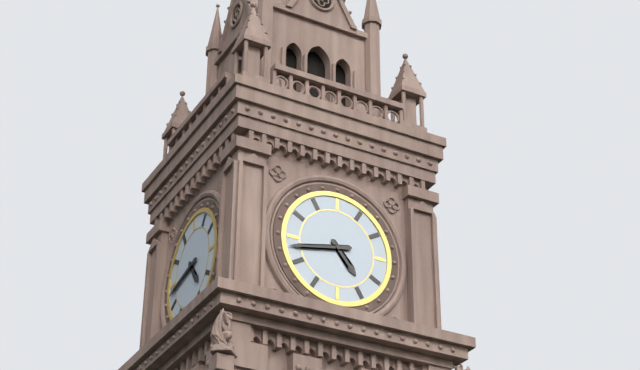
4:43
